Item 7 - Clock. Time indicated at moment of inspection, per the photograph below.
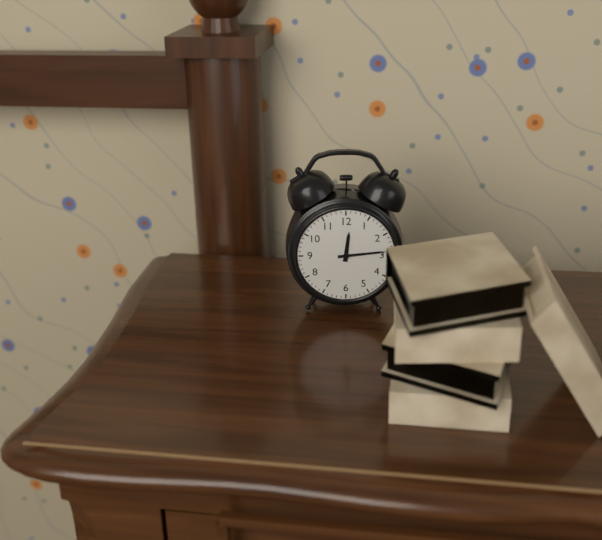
12:14
